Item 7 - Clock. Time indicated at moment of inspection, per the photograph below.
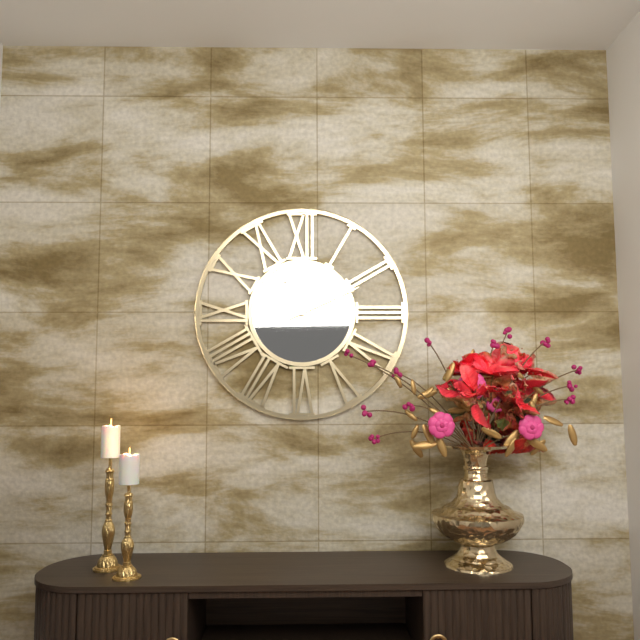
11:11
